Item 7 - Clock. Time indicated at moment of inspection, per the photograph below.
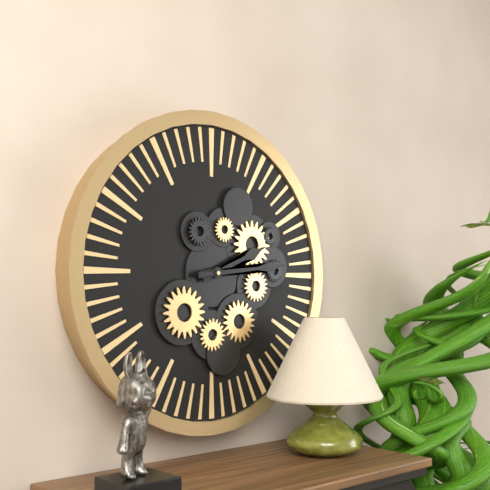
2:14
